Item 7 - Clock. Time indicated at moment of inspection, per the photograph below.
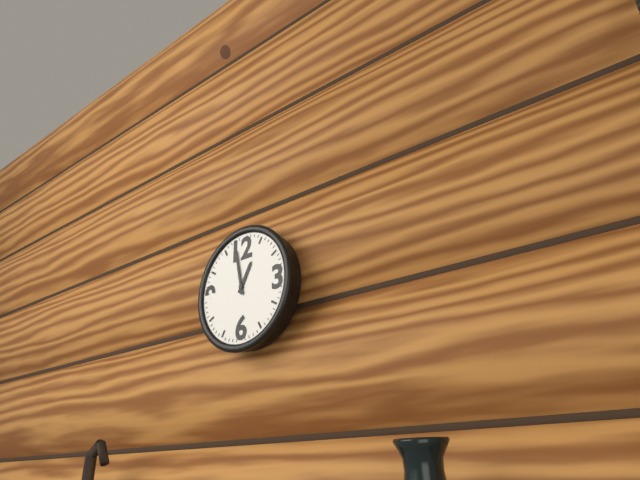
12:58
